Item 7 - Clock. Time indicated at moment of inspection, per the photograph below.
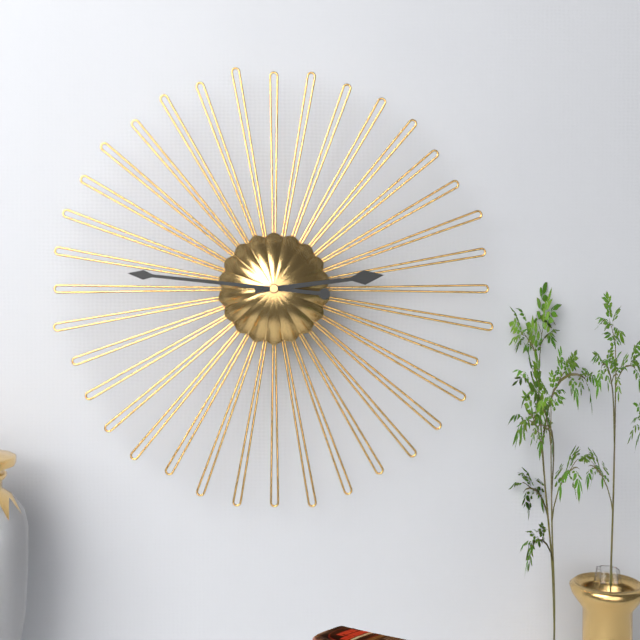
2:46
